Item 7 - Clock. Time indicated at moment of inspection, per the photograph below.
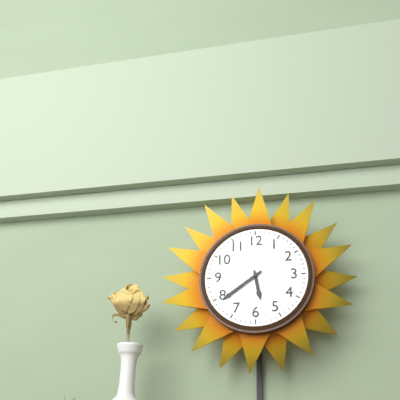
5:39
